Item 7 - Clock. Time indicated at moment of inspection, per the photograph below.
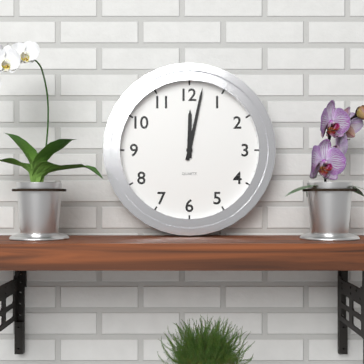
12:02
